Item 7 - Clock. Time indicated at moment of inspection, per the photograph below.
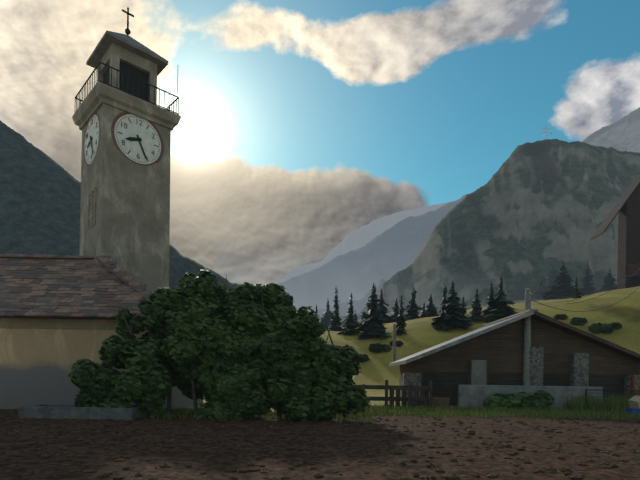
8:26
